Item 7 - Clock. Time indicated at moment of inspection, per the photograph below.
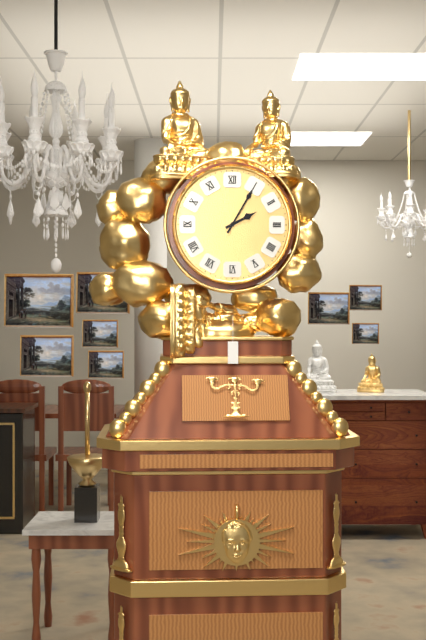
2:05
